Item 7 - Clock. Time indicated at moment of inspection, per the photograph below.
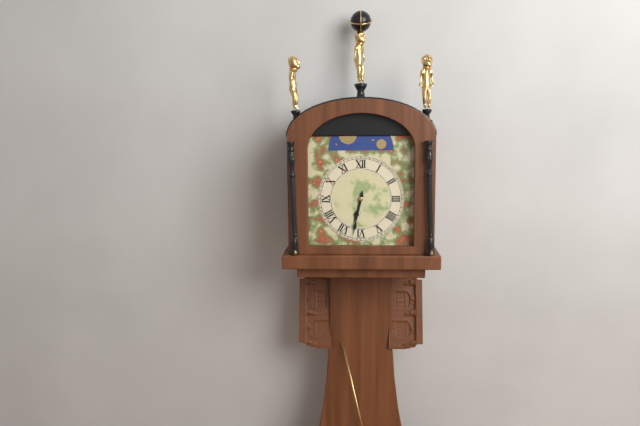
6:32
